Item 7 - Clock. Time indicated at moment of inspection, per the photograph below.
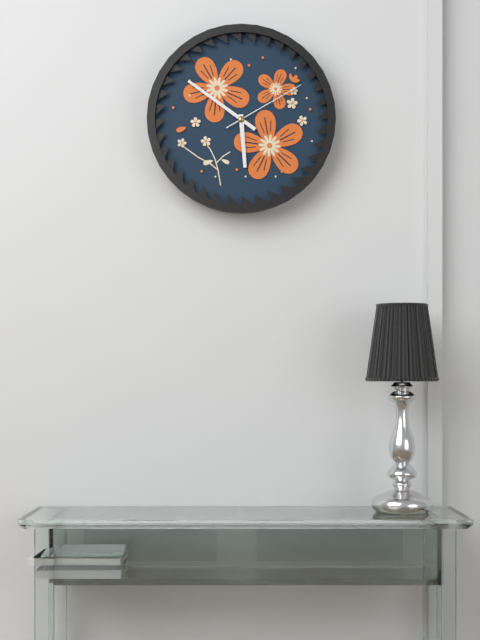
5:51:10
